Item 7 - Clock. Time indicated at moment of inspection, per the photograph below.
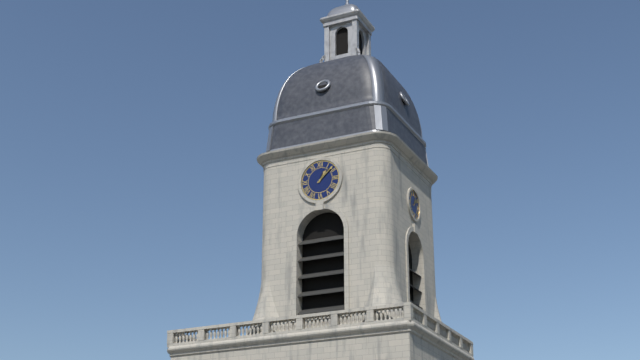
1:08
